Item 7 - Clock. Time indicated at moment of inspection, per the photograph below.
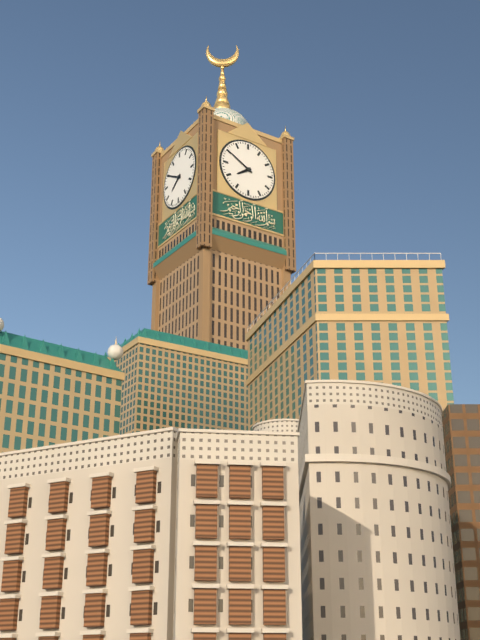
7:50
